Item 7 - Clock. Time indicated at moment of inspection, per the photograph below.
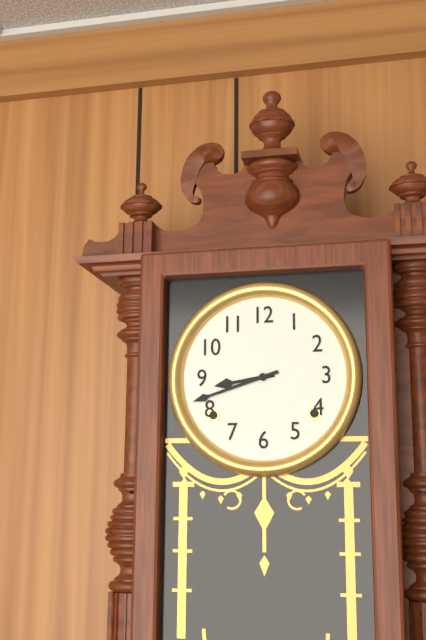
8:42
